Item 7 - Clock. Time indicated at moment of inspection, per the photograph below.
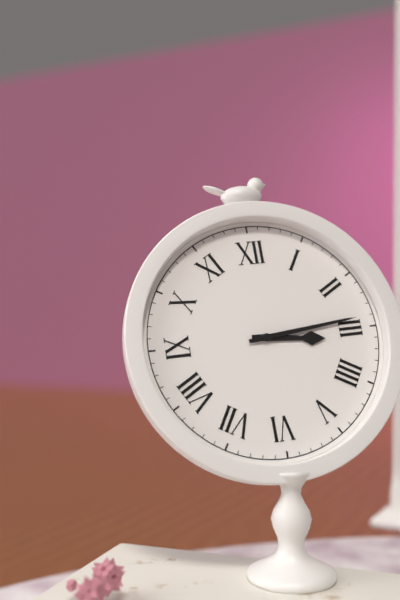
3:14
